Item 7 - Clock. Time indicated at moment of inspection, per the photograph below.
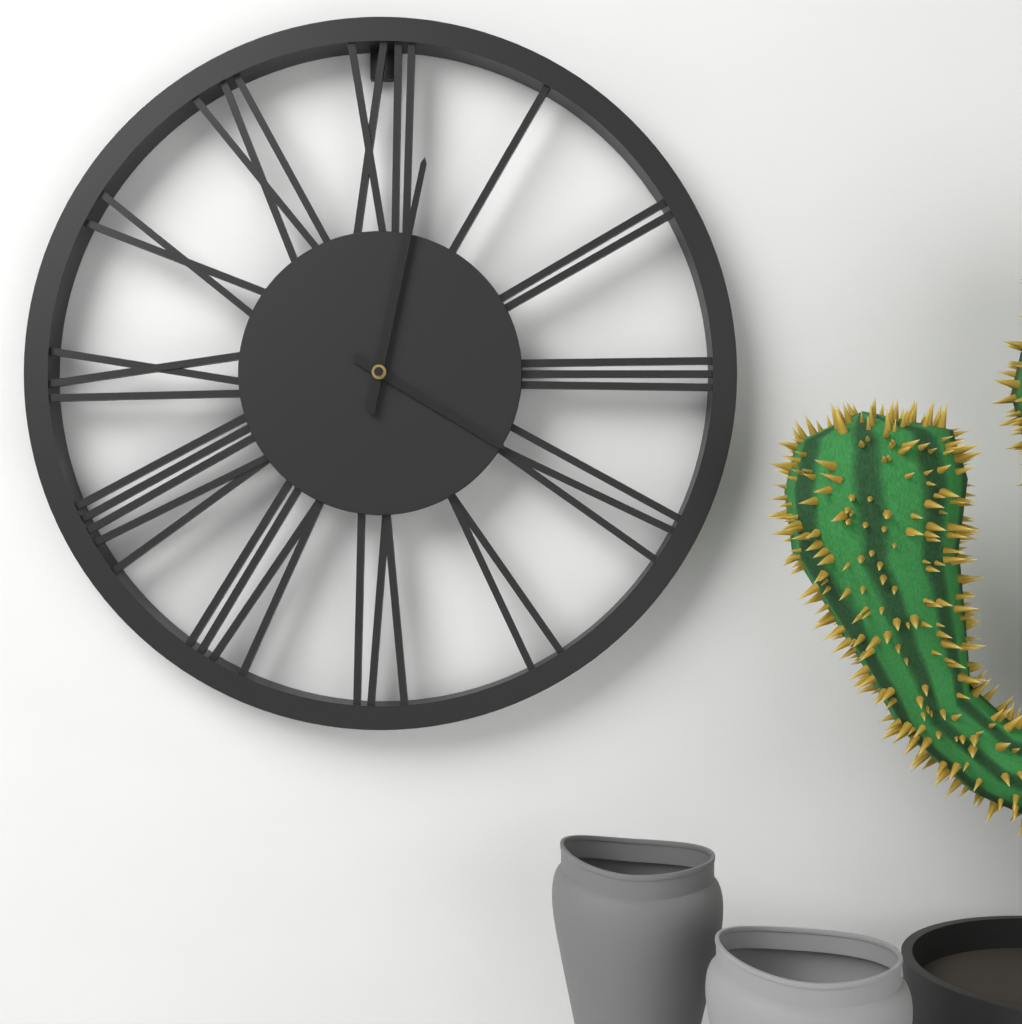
4:02
